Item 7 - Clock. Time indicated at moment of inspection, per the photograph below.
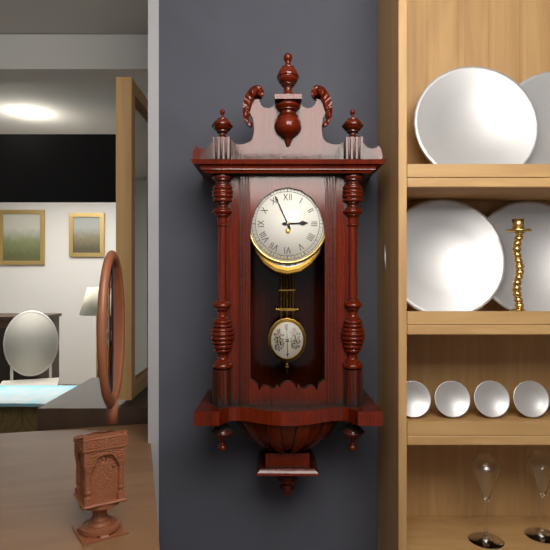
2:56
